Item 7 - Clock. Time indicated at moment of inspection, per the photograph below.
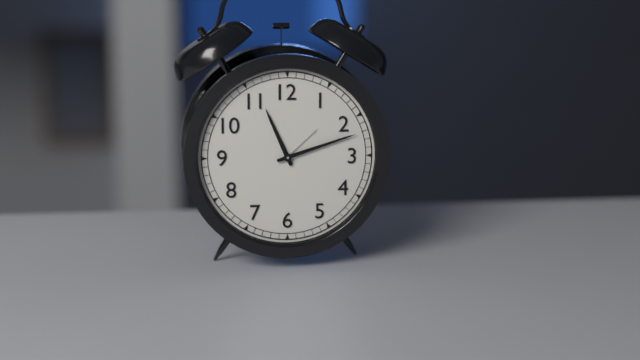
11:12
